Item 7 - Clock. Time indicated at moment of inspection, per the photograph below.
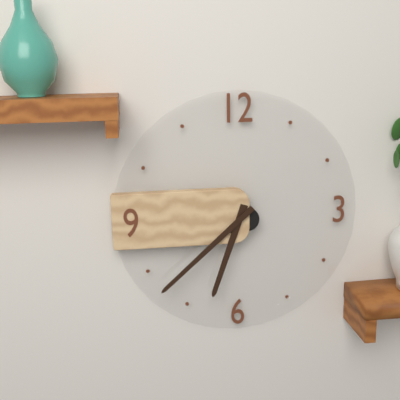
6:38
